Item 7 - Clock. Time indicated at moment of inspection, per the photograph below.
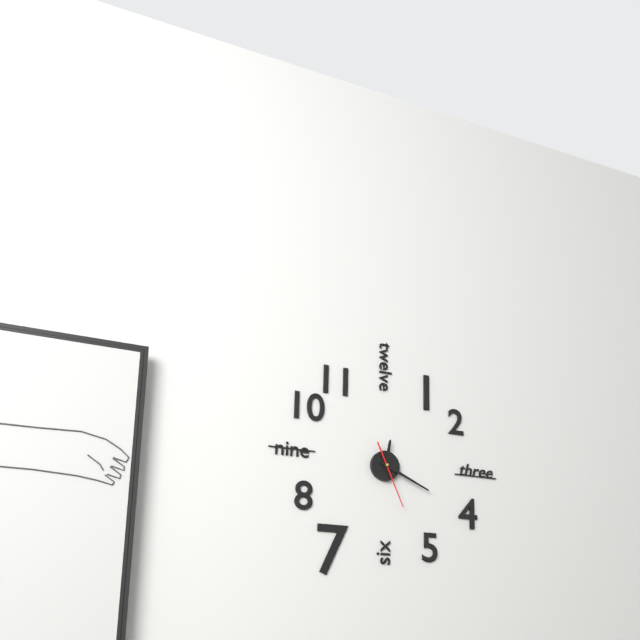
12:19:26
